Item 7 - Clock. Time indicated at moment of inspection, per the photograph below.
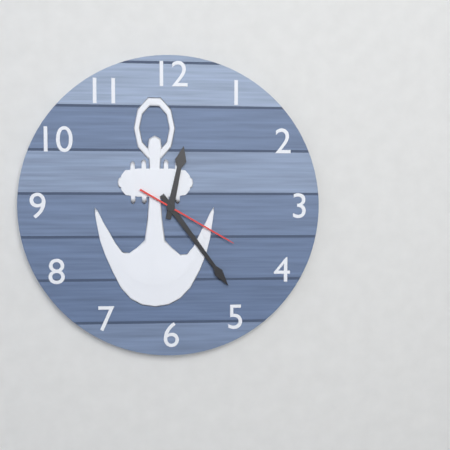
12:24:20
